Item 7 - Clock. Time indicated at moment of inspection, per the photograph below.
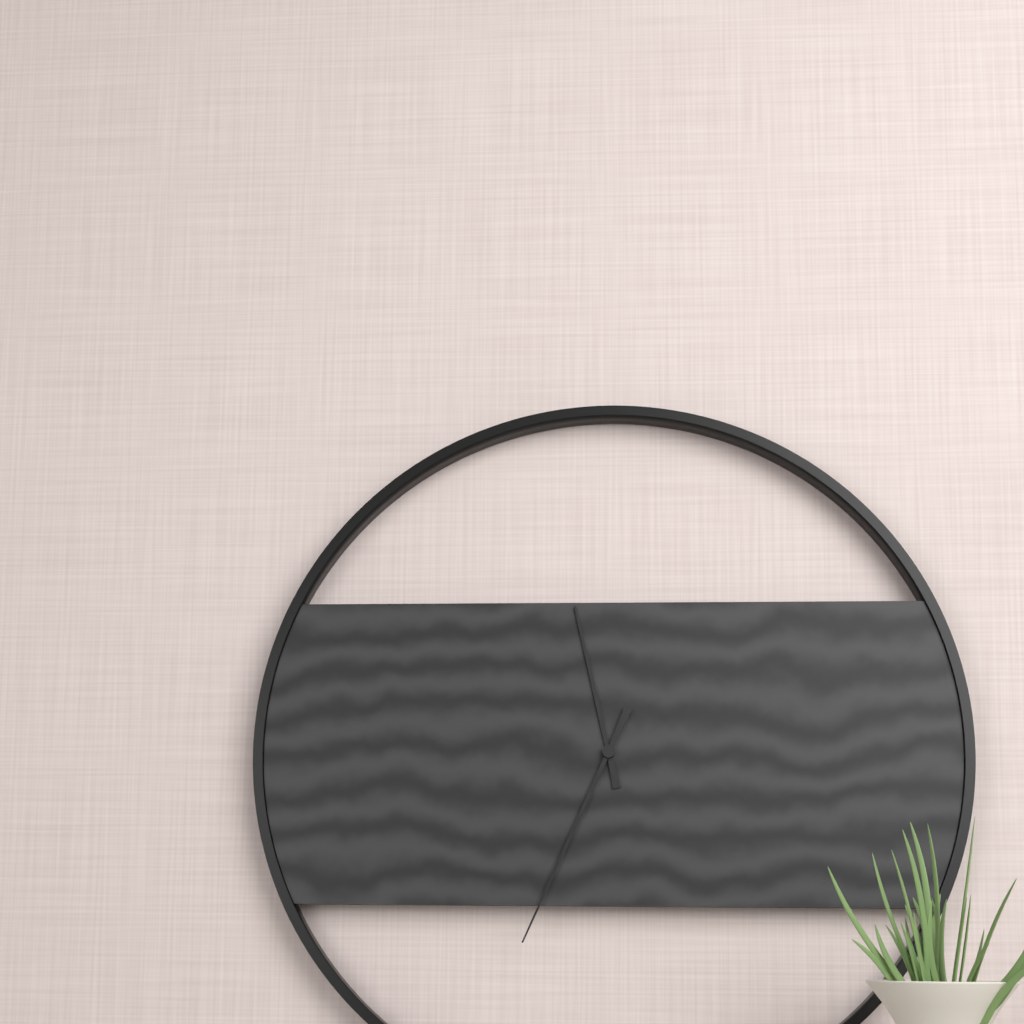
11:34
